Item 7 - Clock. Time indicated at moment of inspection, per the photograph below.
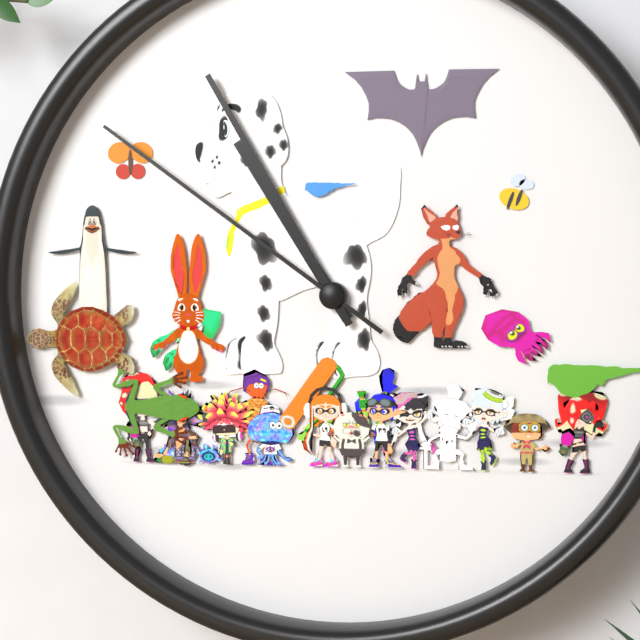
10:55:51
